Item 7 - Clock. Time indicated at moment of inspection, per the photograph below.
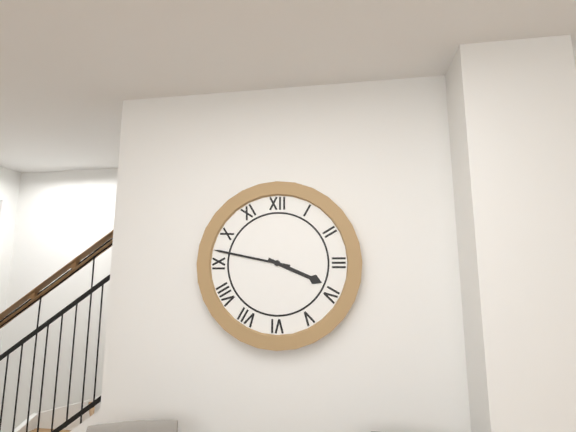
3:47
